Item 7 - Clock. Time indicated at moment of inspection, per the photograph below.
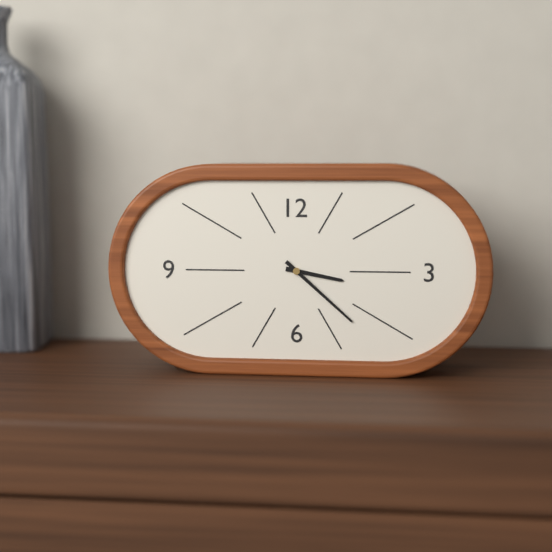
3:22
